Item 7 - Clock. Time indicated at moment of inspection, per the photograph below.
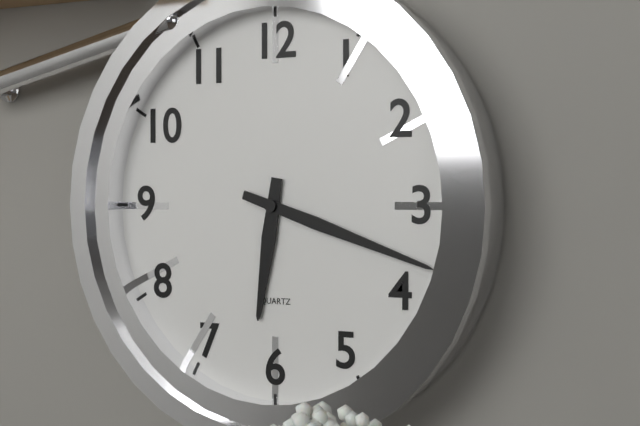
6:18
